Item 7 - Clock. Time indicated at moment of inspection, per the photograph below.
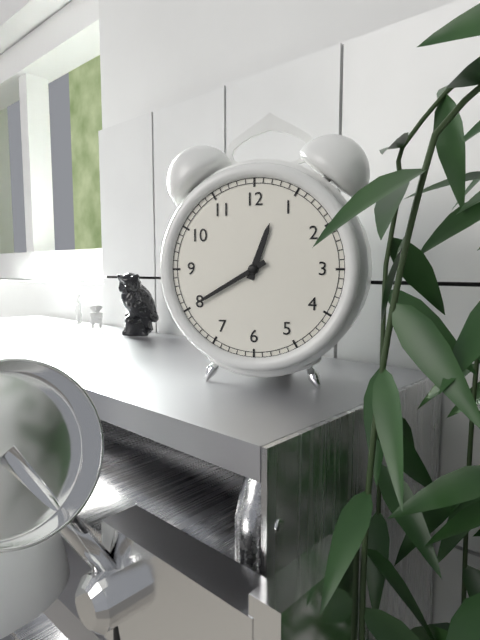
12:40
